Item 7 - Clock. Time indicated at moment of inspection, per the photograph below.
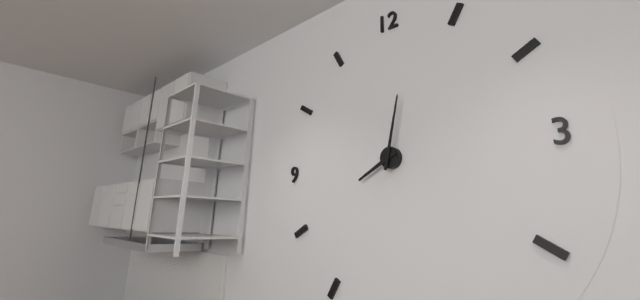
8:02
